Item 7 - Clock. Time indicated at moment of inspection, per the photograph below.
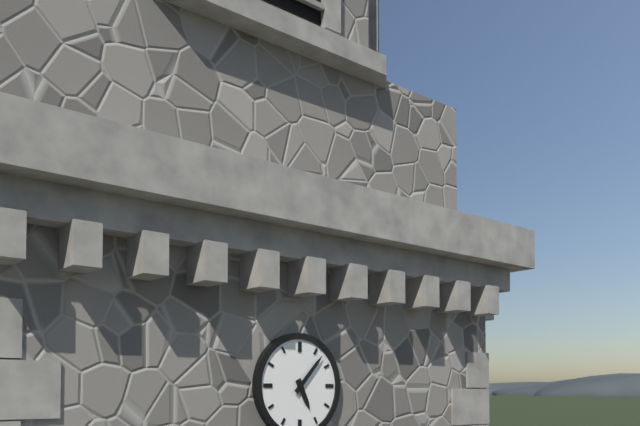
5:07
